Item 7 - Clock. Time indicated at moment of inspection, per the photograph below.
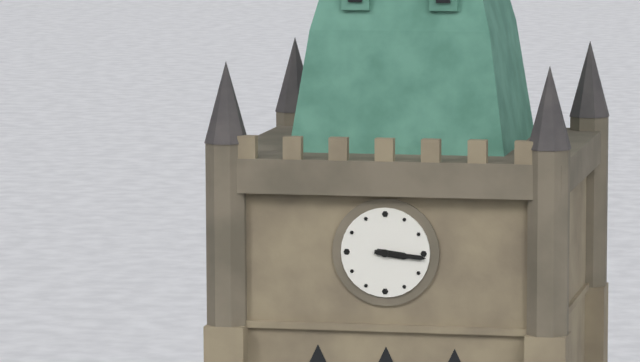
3:16
